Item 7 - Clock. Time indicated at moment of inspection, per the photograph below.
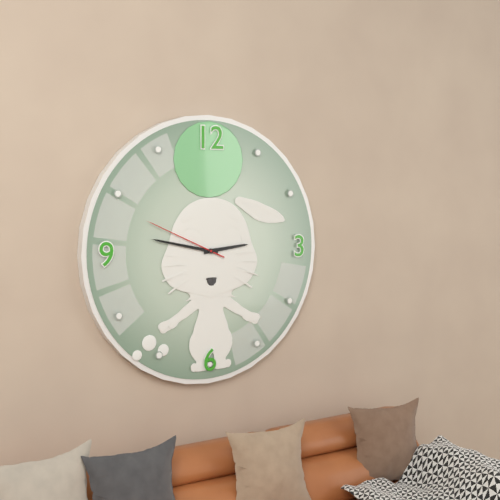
2:47:49
